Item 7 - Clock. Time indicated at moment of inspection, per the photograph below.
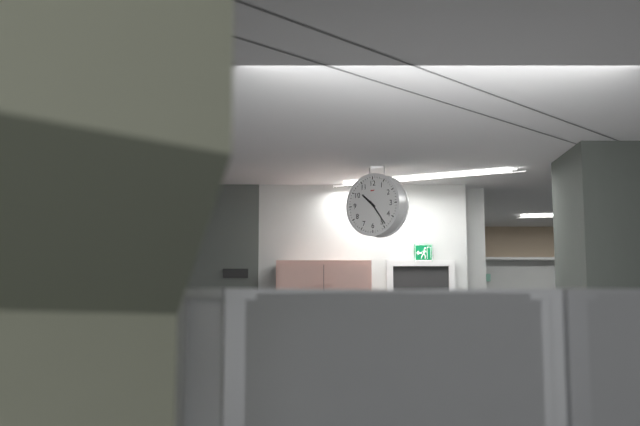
10:24
